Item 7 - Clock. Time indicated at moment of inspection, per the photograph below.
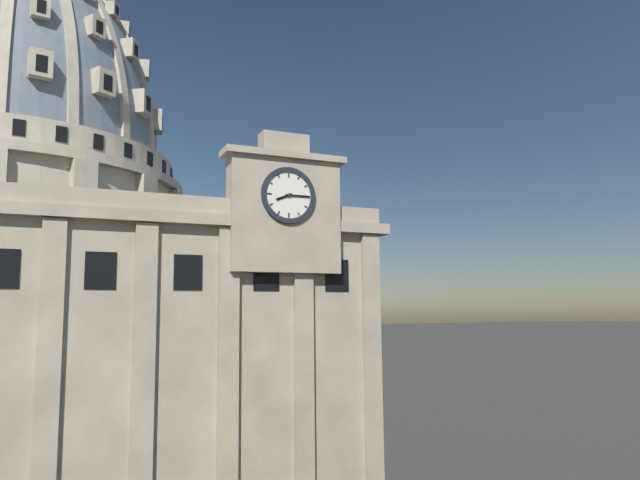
8:15
